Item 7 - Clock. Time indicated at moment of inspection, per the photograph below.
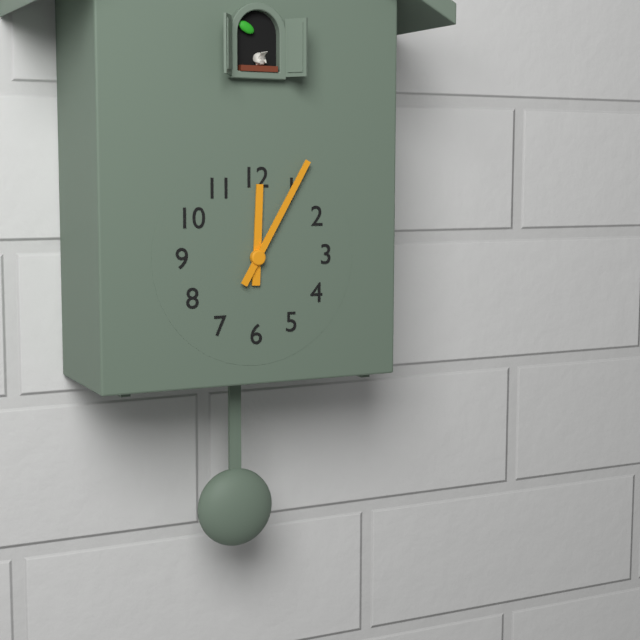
12:05
